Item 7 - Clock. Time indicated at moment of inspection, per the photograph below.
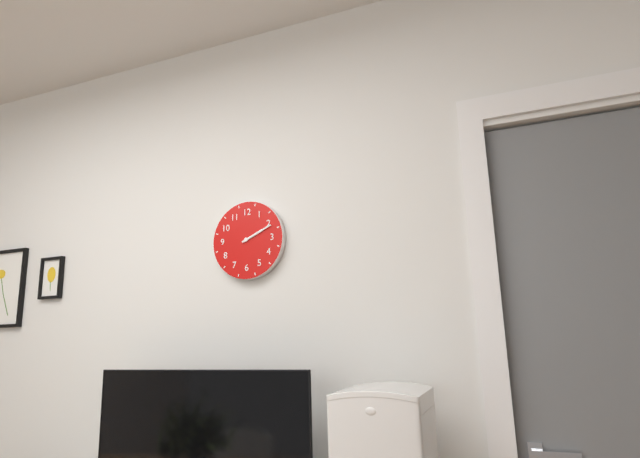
2:11
